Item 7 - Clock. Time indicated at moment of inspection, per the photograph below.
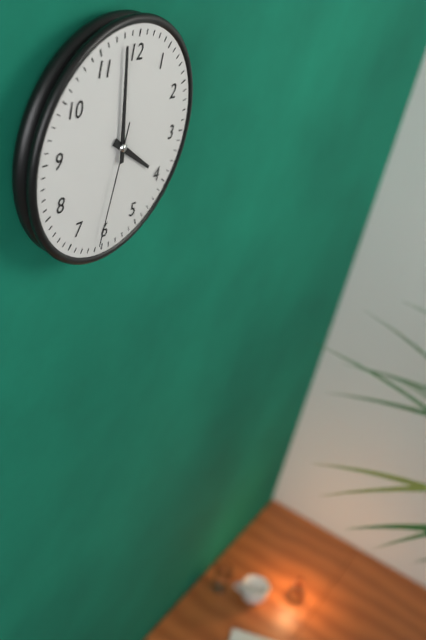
3:58:31
